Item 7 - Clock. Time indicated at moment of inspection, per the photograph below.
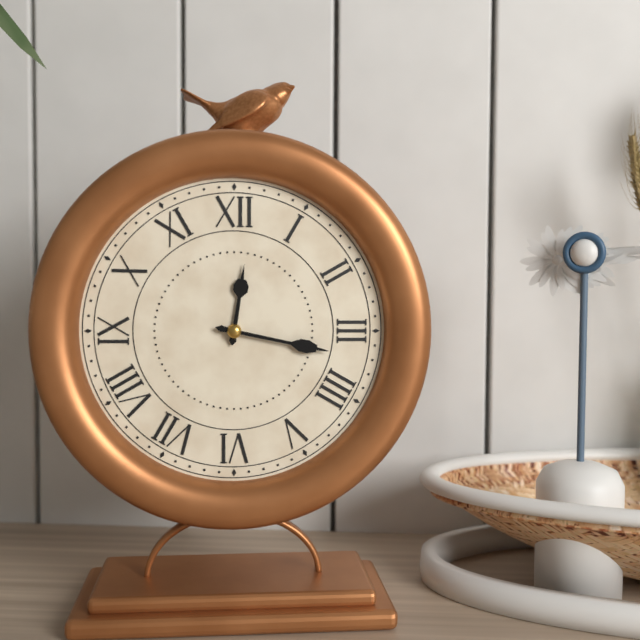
12:17
